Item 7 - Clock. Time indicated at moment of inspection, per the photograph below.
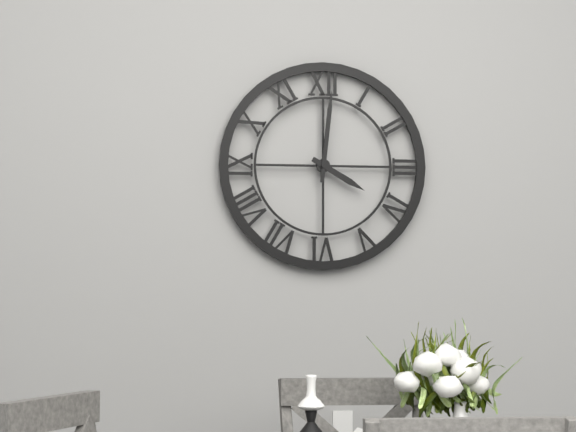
4:01
